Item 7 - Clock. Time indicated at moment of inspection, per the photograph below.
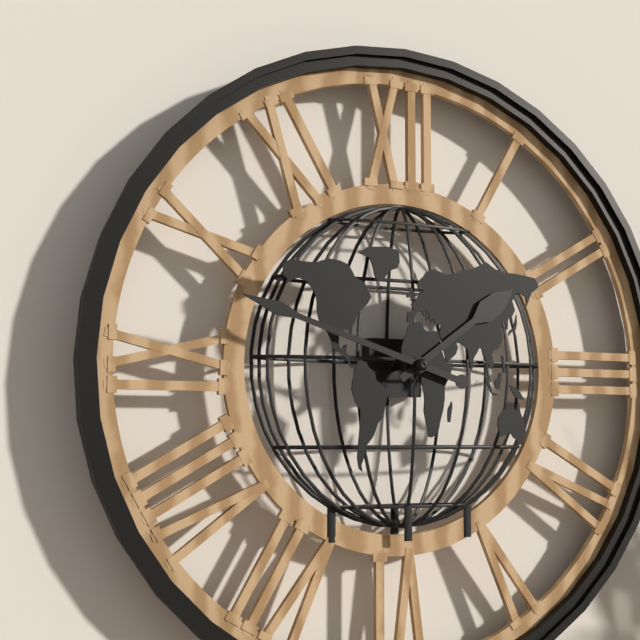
1:48
